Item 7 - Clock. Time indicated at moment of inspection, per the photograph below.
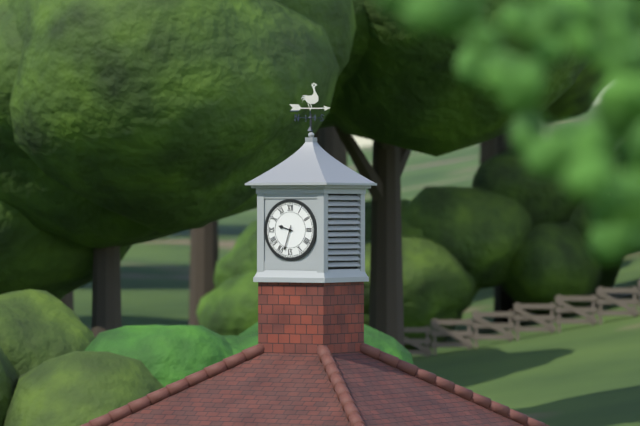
9:33
